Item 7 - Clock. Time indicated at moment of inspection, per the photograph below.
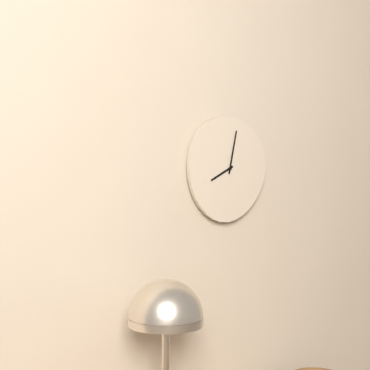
8:02
